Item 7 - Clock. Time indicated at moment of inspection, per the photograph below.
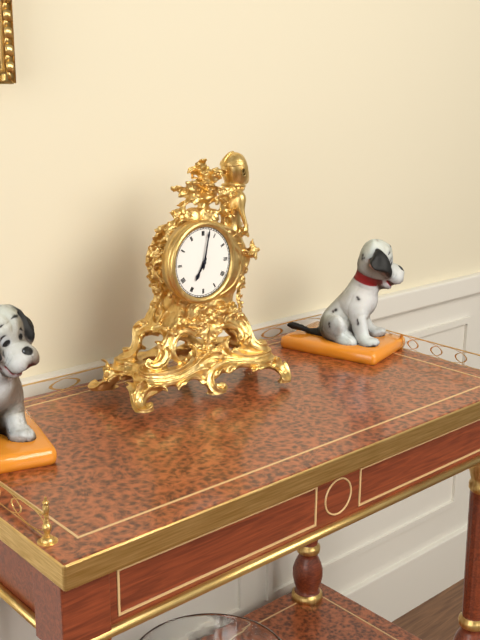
7:02
